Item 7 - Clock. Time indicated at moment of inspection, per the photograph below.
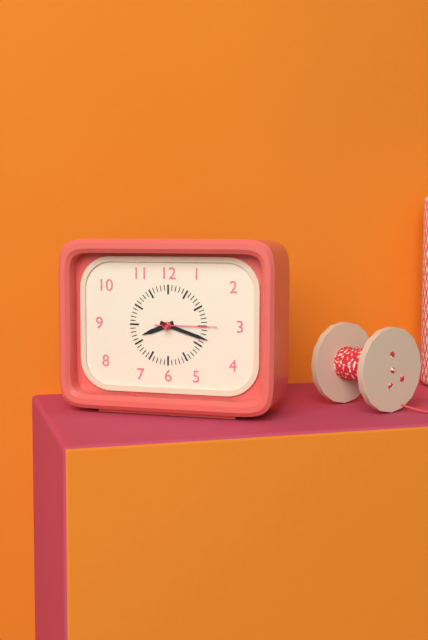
8:18:15
